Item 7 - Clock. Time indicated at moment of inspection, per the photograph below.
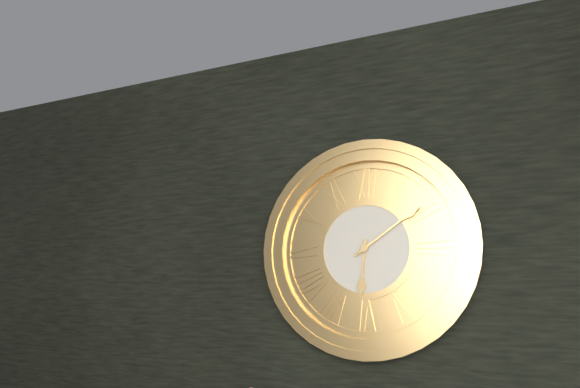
6:09
